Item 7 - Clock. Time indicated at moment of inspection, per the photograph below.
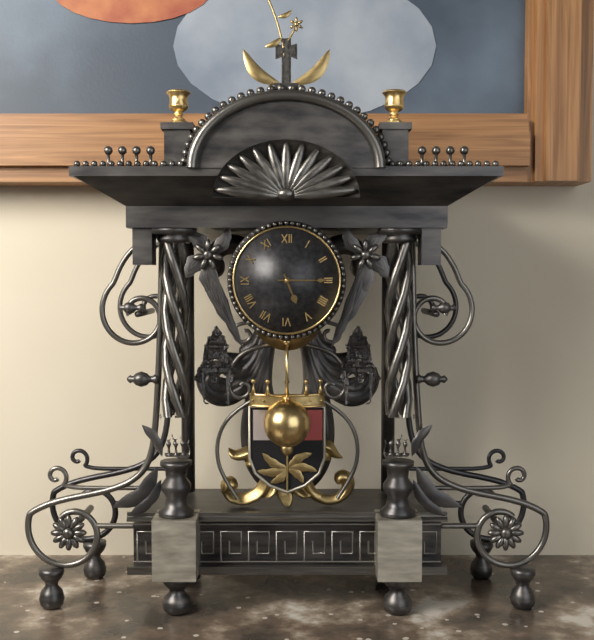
5:15
